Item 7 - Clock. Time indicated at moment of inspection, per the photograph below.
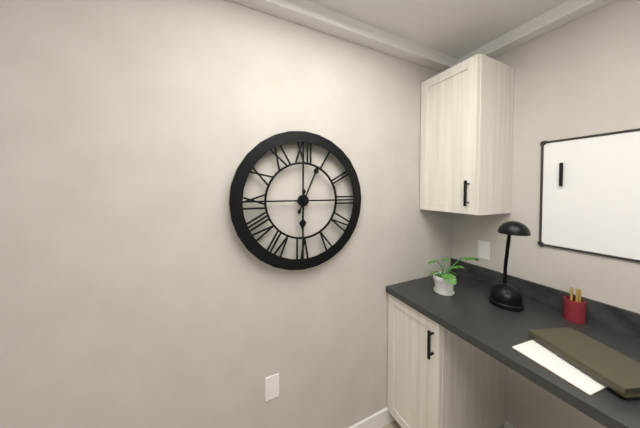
6:04
